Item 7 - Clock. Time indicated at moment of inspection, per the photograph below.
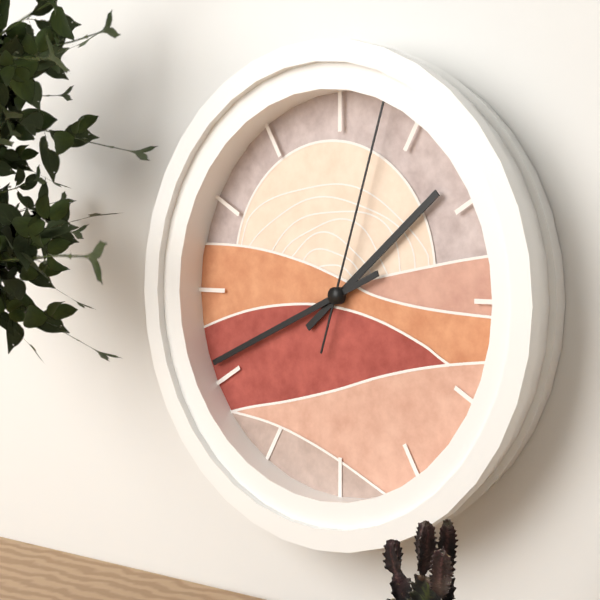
1:41:03
